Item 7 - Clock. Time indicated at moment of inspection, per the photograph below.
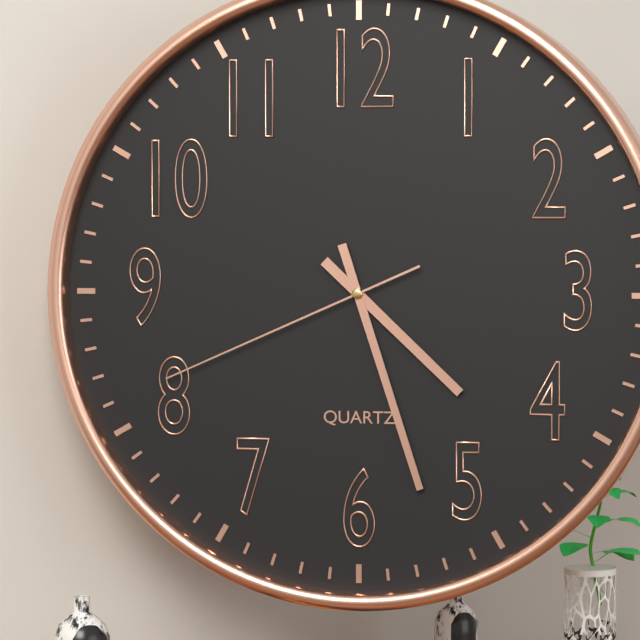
4:27:41
